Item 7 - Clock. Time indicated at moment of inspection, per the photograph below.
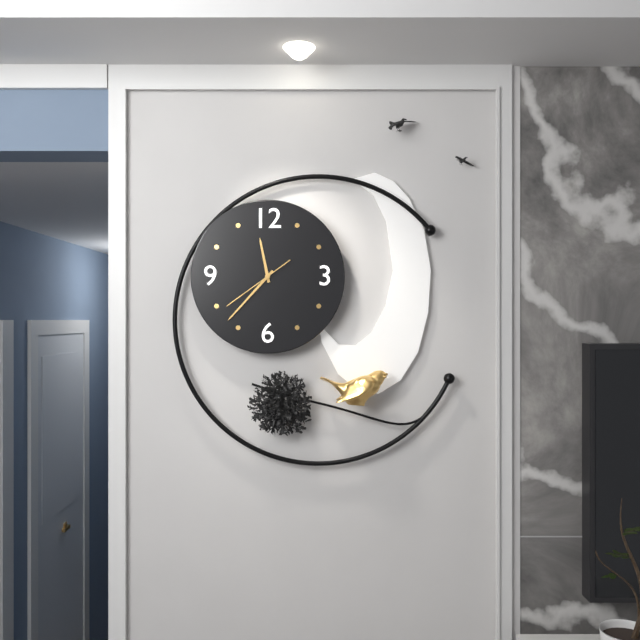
11:37:39
